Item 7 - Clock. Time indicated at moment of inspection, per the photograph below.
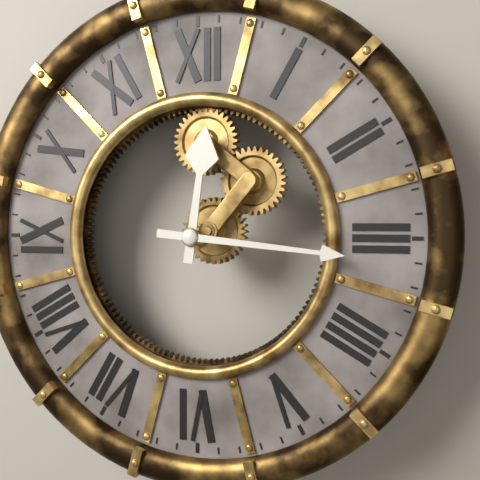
12:16
